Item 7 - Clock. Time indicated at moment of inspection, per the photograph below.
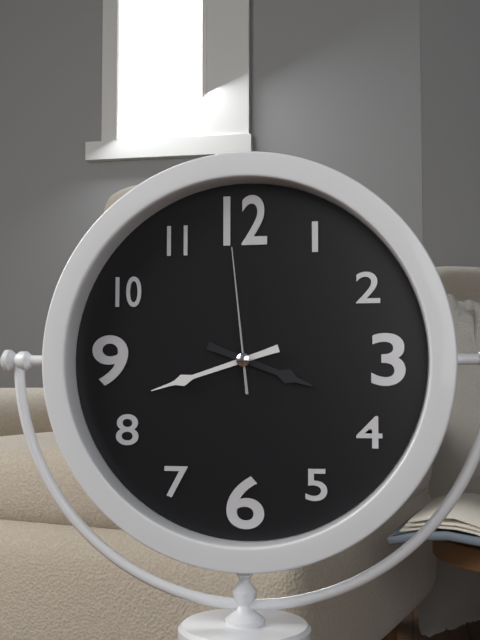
3:42:59
